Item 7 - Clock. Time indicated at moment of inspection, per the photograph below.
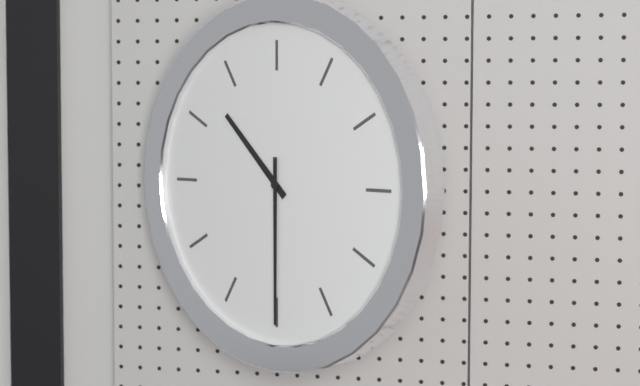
10:30
